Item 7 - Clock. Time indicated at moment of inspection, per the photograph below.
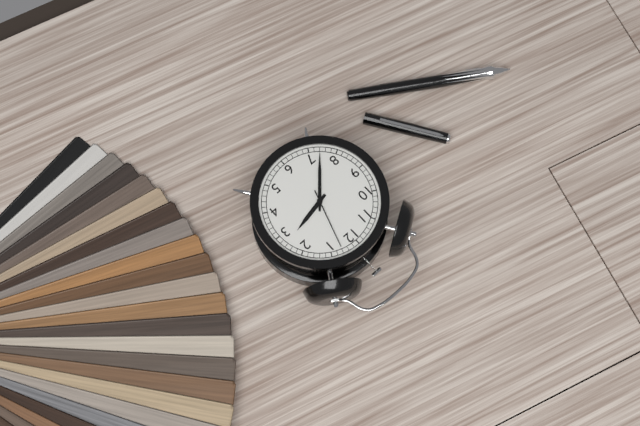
2:37:03
